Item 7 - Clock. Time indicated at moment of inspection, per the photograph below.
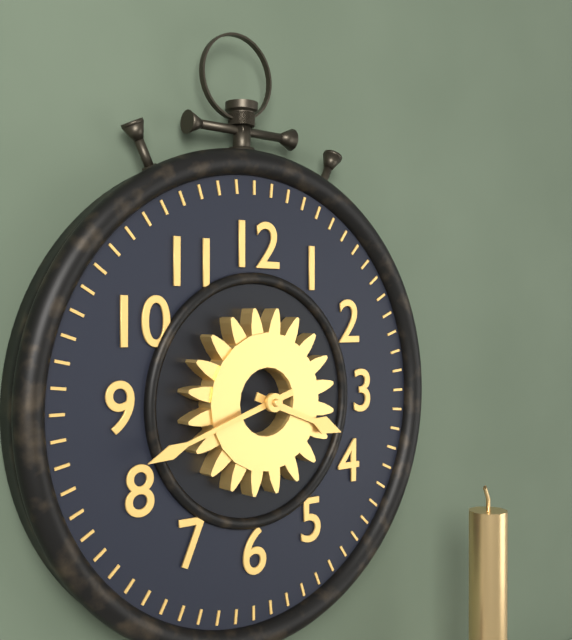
3:42
